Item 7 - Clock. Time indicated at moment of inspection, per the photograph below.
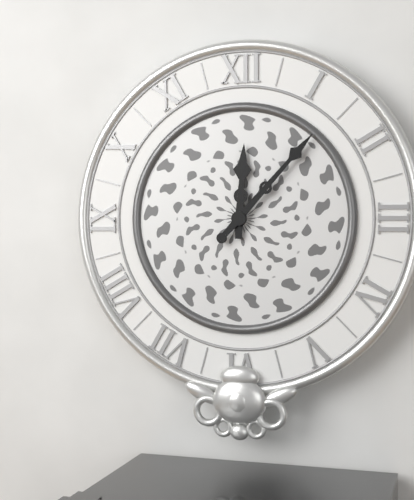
12:07
